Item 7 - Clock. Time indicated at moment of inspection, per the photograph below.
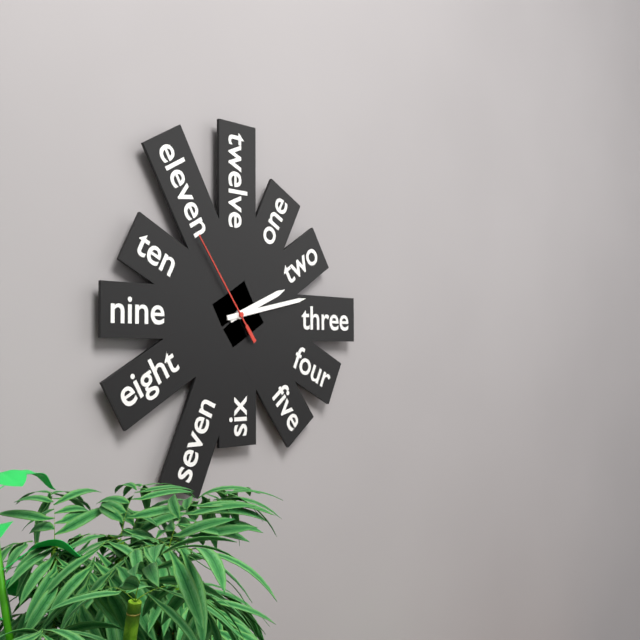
2:13:54
